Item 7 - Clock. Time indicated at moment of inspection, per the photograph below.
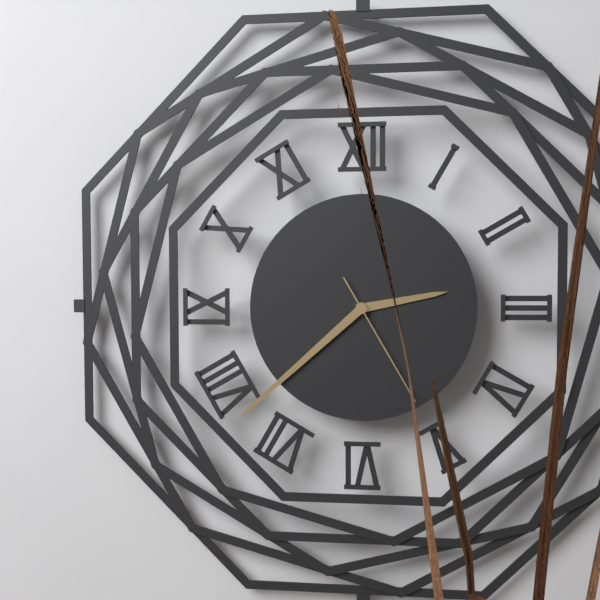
2:38:25
